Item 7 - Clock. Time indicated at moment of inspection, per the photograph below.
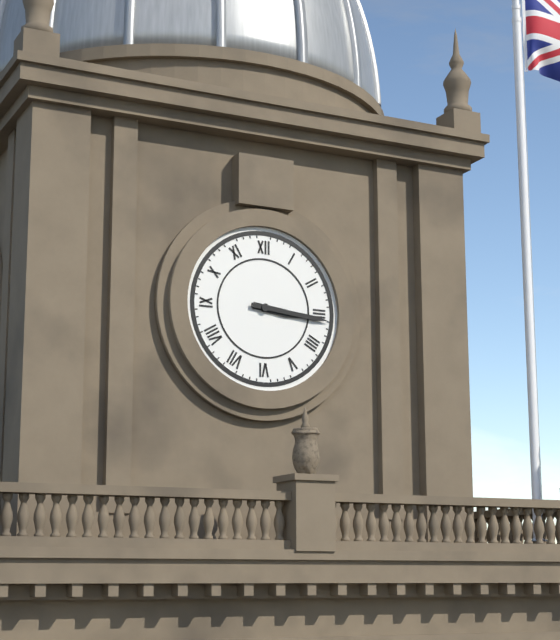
3:16
